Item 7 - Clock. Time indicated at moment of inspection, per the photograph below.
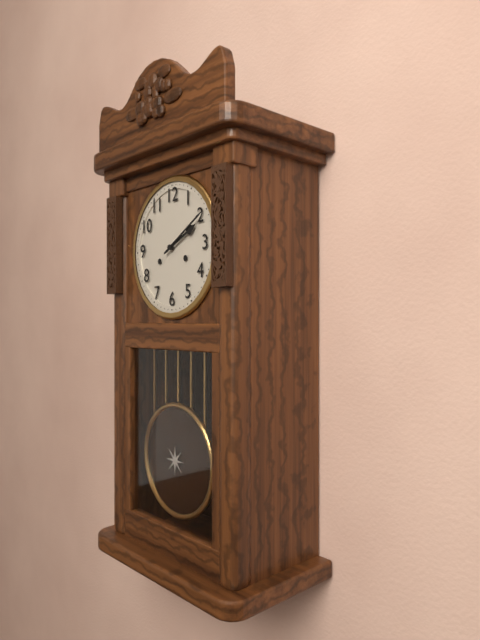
2:10
